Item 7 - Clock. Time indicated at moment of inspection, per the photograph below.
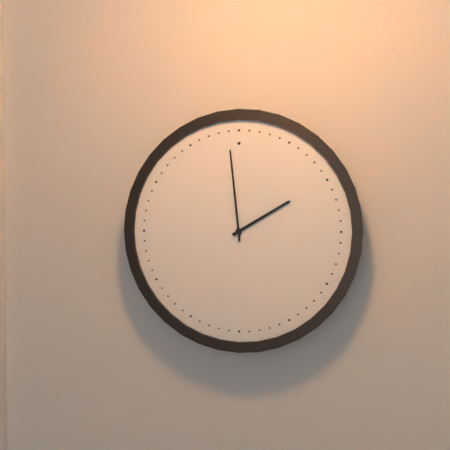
1:59
